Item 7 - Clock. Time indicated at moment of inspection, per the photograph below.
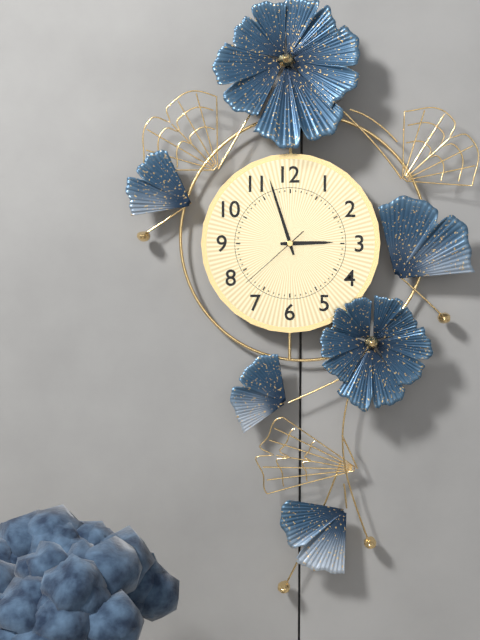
2:57:38
